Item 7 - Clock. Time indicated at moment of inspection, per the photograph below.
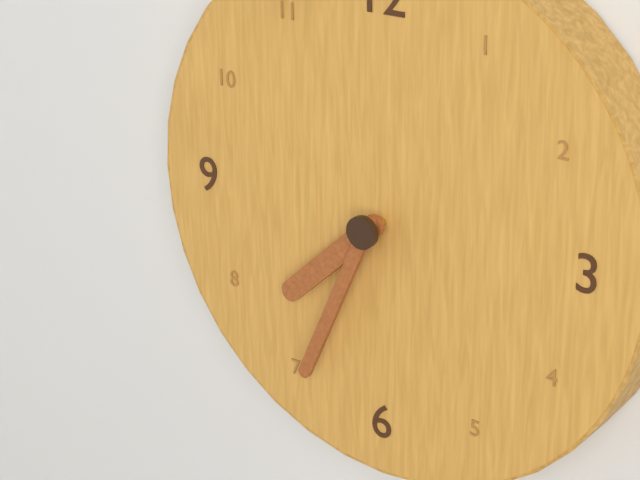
7:34
